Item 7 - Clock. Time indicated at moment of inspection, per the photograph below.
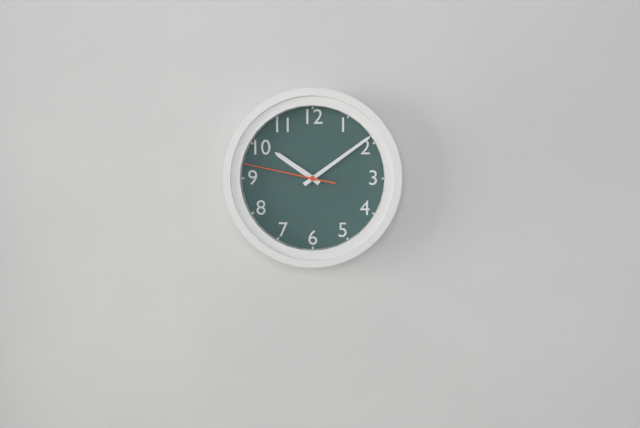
10:09:47
